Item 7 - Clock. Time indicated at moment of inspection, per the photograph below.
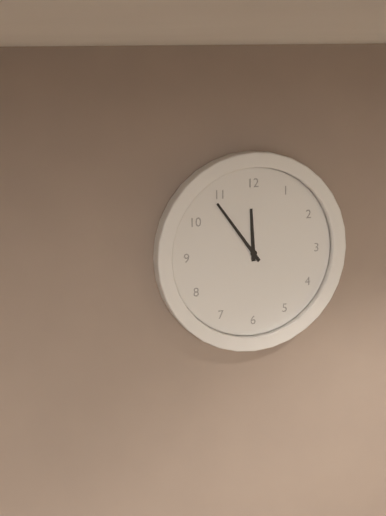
11:54
